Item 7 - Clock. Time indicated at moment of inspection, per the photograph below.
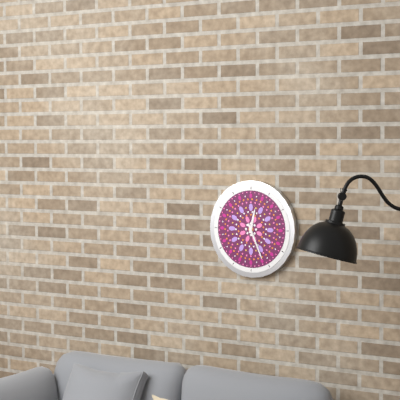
12:26
